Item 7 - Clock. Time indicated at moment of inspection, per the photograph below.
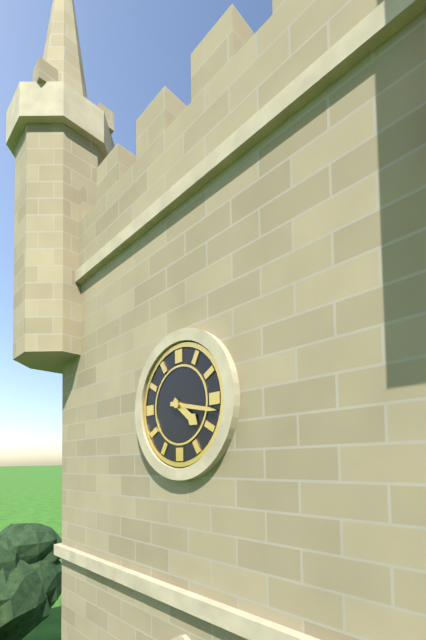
4:17
